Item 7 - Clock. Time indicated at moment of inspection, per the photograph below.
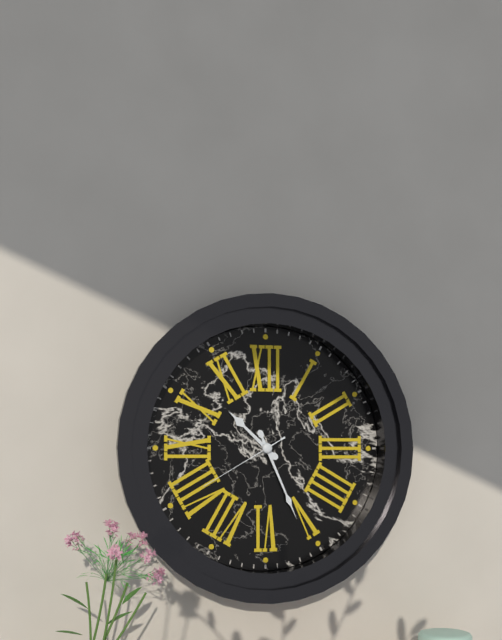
10:26:40
